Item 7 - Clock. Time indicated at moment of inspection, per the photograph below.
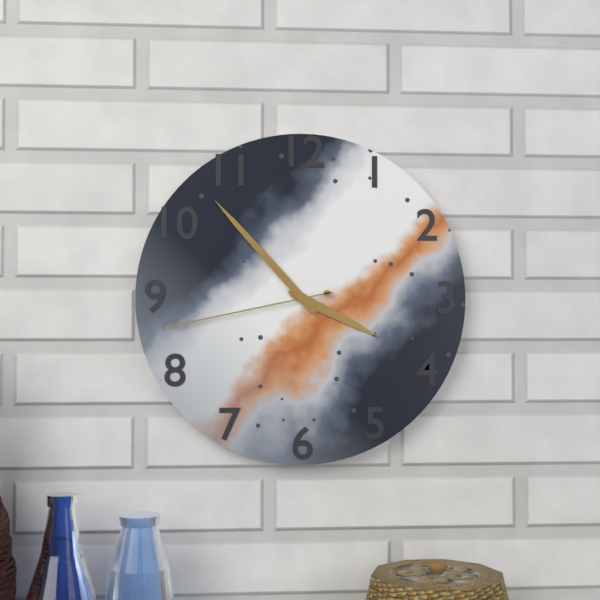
3:53:43
